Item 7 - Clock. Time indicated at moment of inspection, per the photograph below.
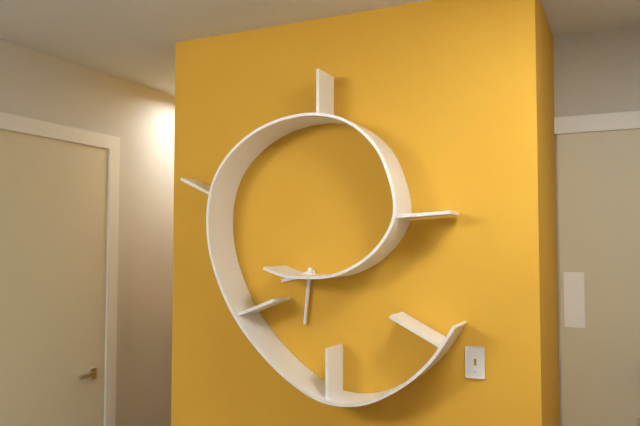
8:31
